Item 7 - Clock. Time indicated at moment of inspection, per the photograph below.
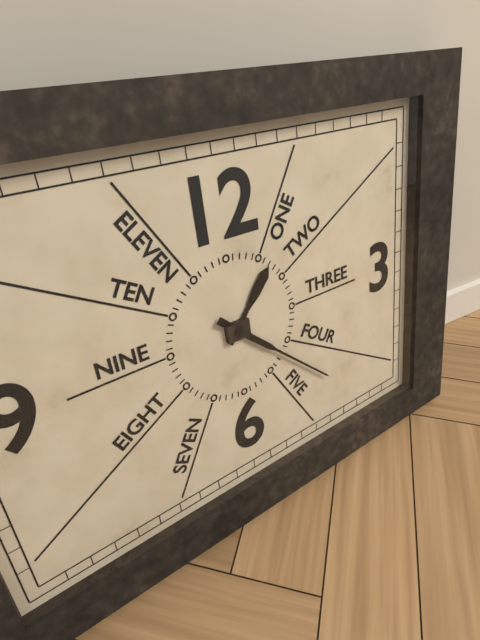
1:22
